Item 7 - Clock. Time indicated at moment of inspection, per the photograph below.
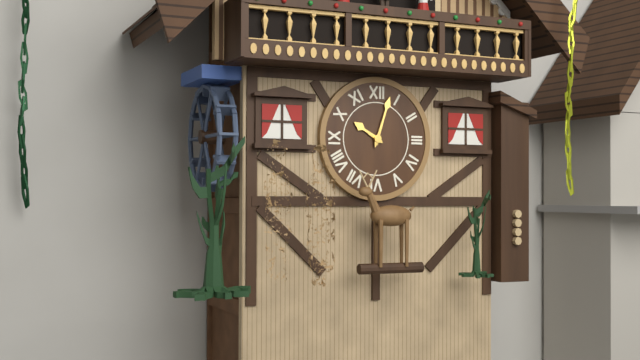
10:03
